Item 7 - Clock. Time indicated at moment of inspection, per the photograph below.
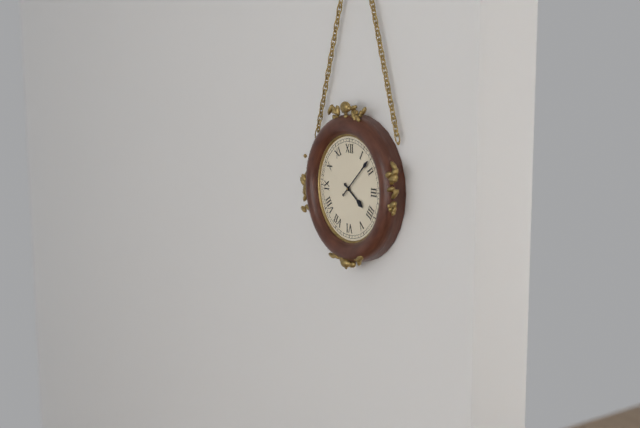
4:08
